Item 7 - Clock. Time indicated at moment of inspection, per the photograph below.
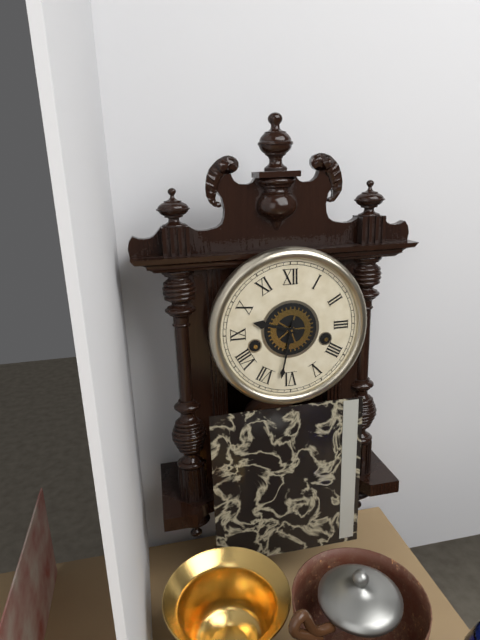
9:32
